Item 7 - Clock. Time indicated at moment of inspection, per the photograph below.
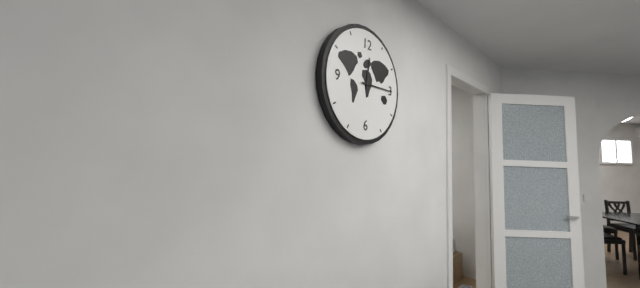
12:15
